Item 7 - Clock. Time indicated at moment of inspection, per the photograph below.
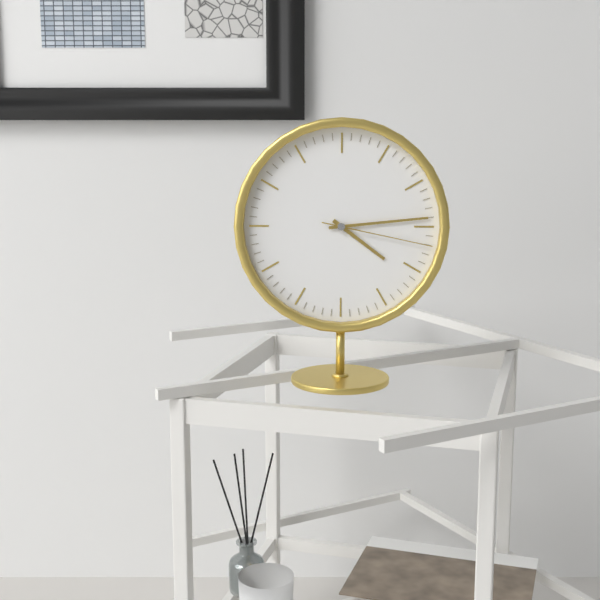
4:14:17
